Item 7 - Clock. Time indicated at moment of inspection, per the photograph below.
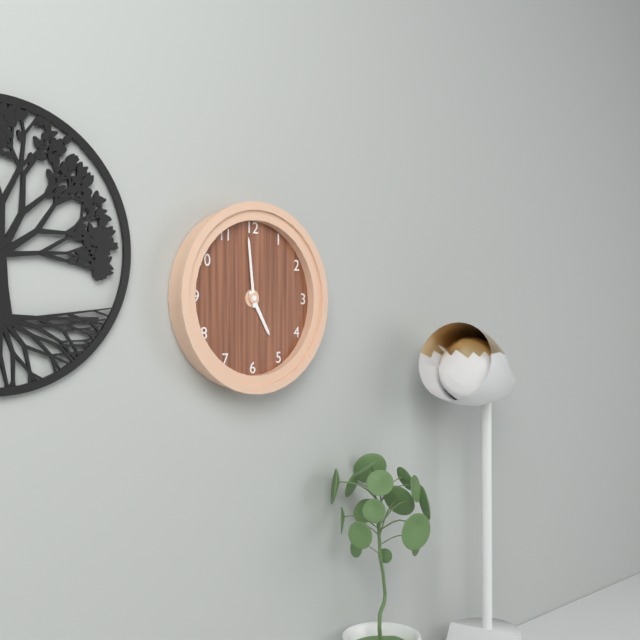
4:59
